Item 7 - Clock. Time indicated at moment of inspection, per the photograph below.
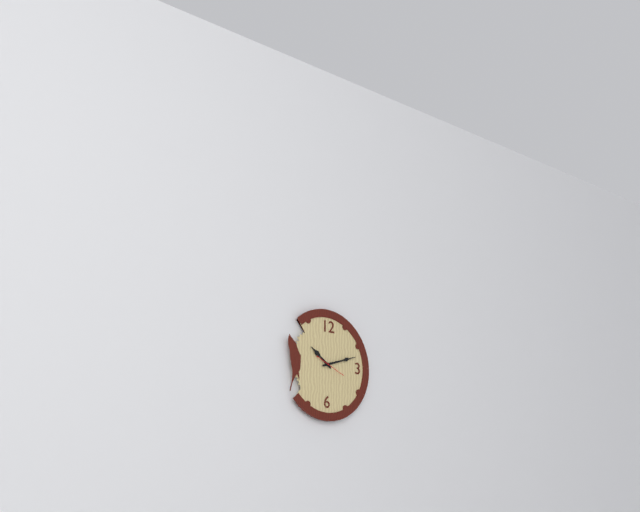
10:12
